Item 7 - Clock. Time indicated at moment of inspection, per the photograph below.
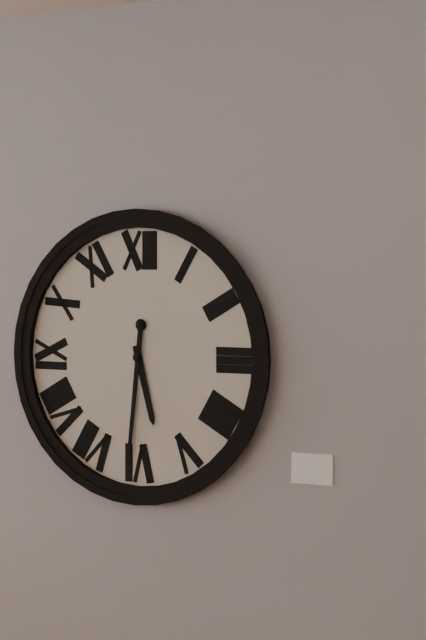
5:31
